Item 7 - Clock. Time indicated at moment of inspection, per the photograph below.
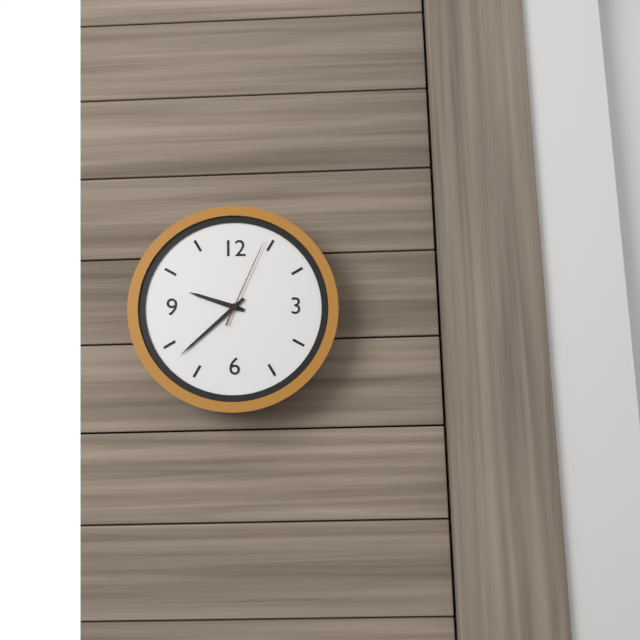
9:38:04
